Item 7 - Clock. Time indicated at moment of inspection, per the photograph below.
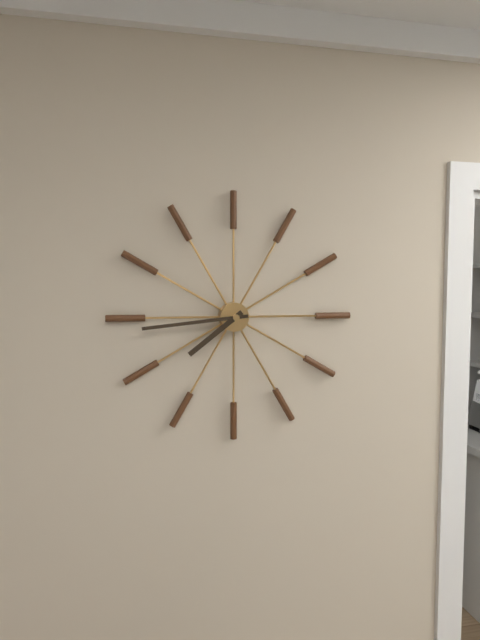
7:44
